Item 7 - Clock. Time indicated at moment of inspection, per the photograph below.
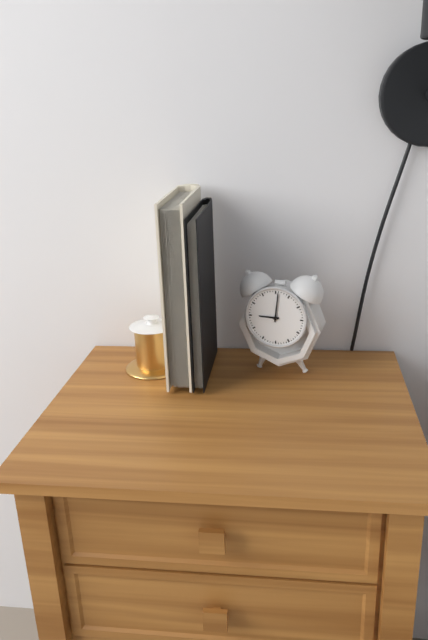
9:01
